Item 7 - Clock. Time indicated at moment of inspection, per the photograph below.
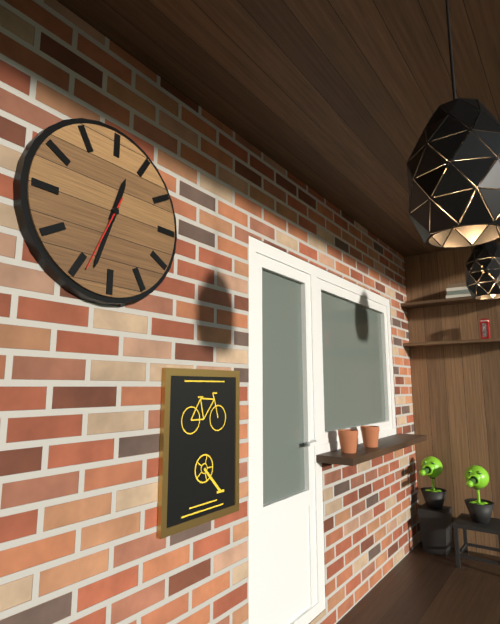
12:33:34
